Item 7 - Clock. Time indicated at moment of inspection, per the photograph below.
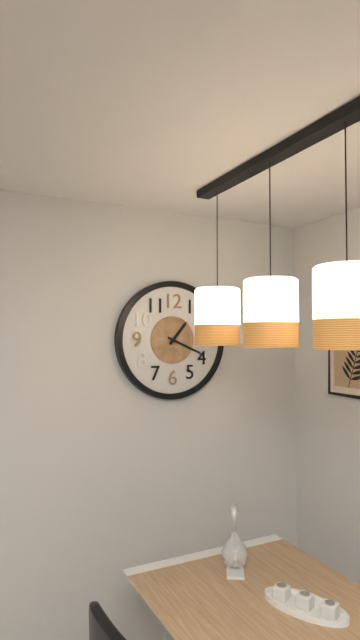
1:19
